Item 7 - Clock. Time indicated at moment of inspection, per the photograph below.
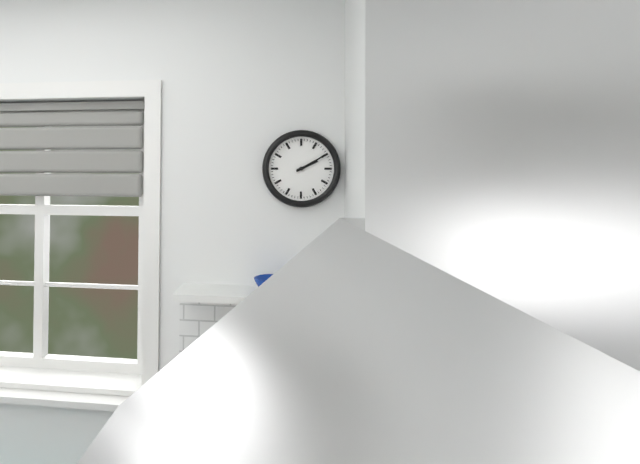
2:10
